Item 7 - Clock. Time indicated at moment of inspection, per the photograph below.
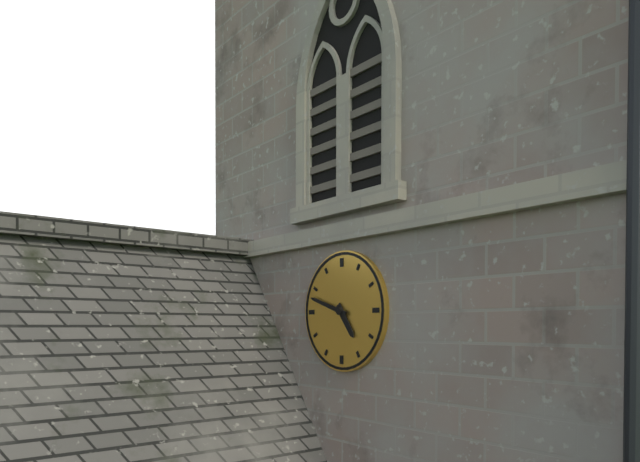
4:48
